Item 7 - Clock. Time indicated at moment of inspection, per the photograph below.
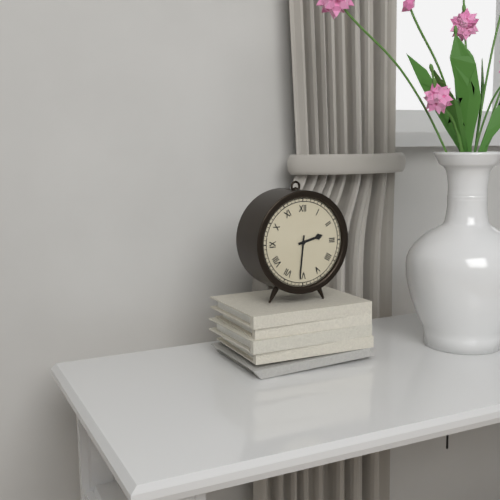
2:31
